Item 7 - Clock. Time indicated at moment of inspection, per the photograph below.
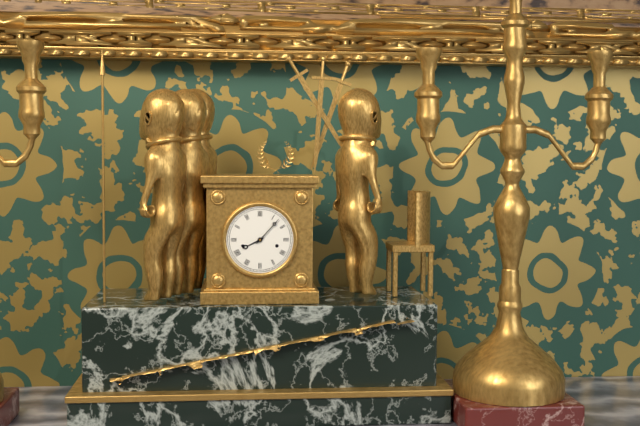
8:07
